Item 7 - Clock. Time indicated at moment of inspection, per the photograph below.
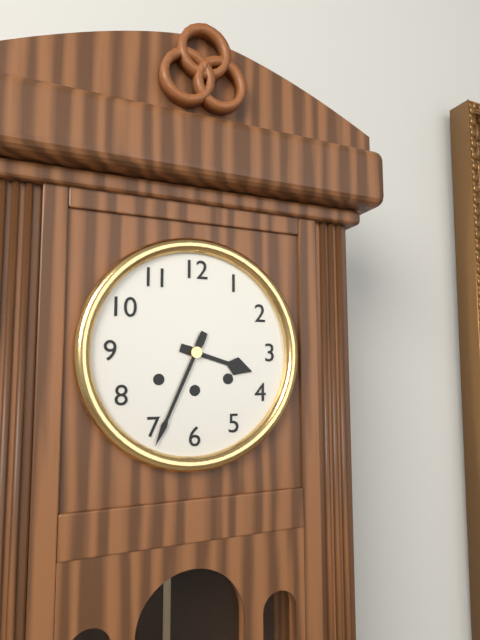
3:34
